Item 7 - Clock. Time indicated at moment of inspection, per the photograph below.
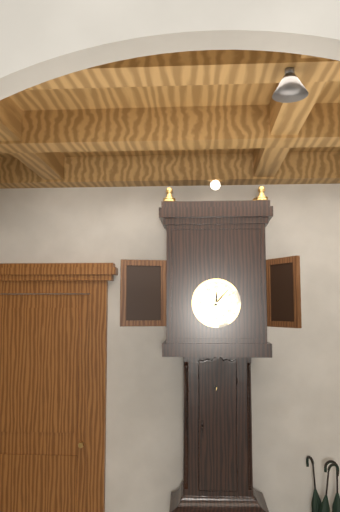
12:07
